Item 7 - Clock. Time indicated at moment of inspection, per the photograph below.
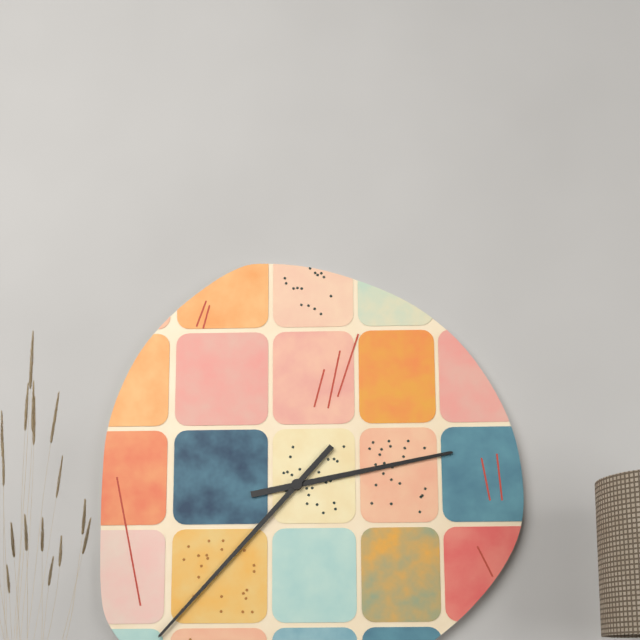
2:37
